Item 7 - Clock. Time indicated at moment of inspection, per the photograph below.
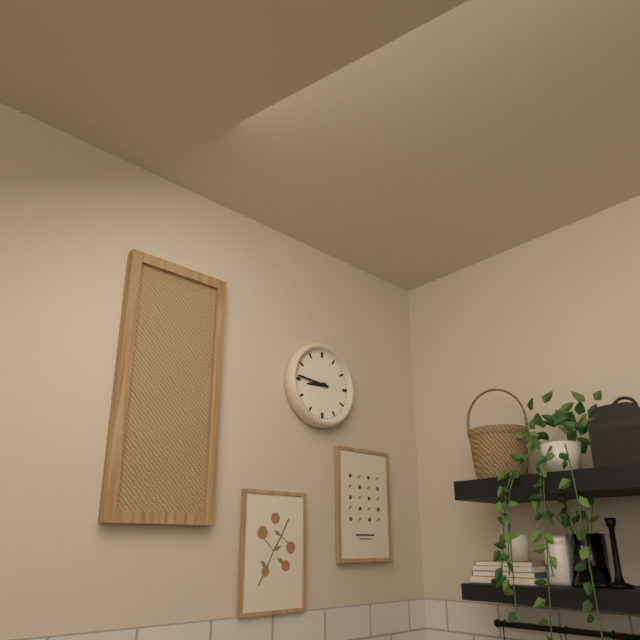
8:46
